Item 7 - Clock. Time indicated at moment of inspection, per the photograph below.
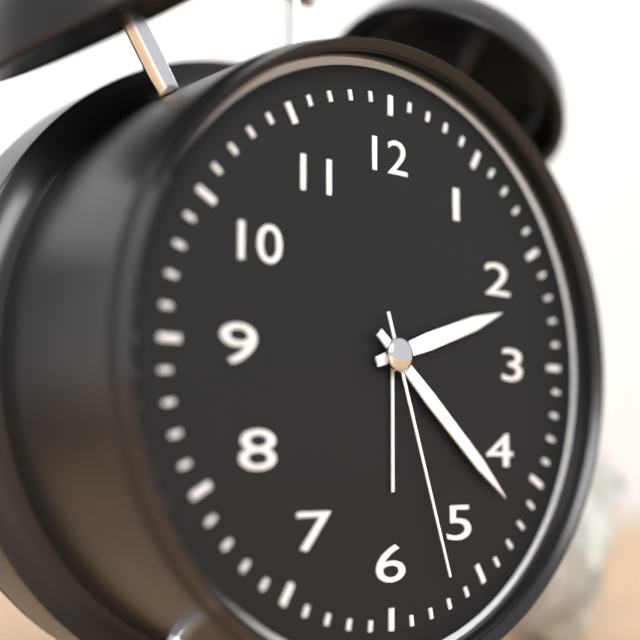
2:22:27
